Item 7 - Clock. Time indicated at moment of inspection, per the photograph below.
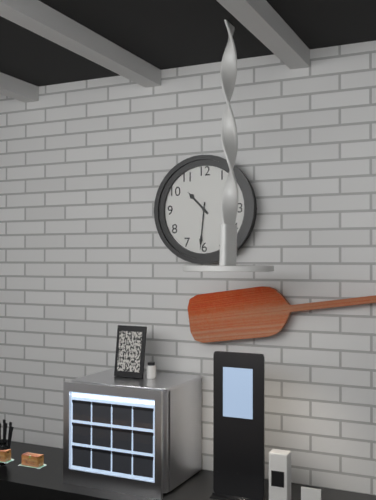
10:31
